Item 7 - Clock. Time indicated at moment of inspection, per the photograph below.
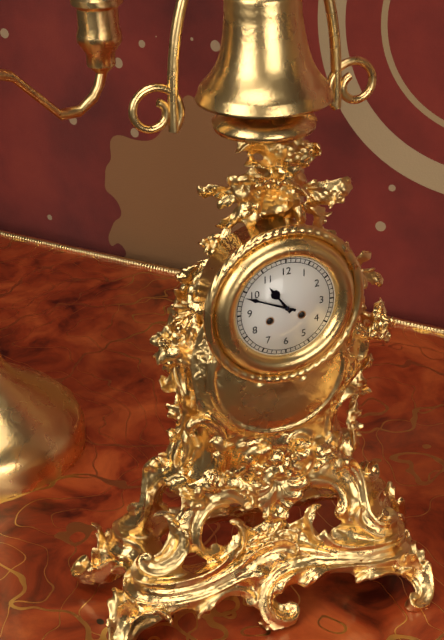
10:49
